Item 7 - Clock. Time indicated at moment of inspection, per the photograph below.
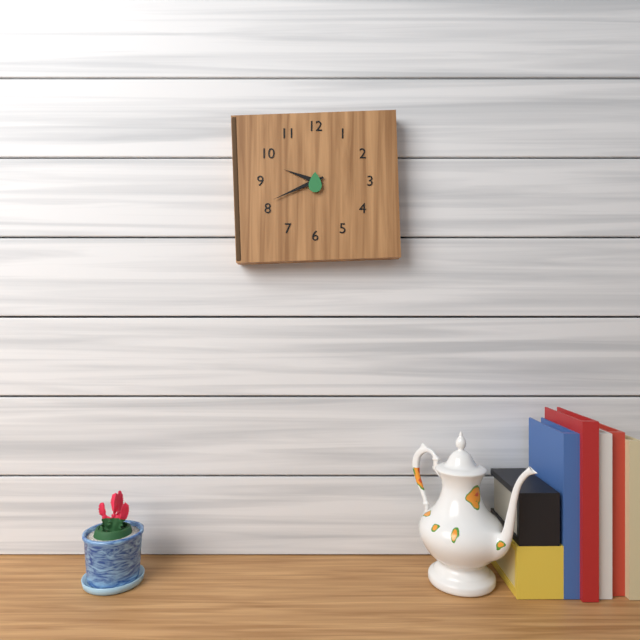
9:41
